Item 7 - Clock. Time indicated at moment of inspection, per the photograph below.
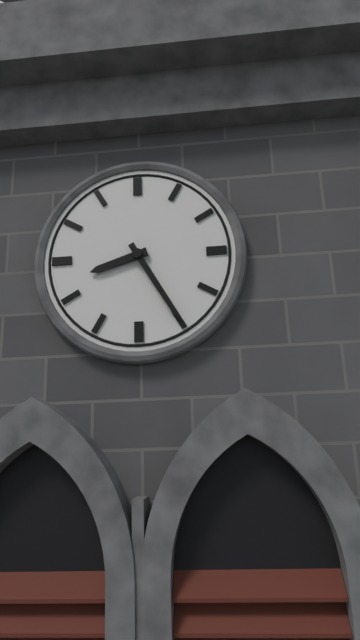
8:25
